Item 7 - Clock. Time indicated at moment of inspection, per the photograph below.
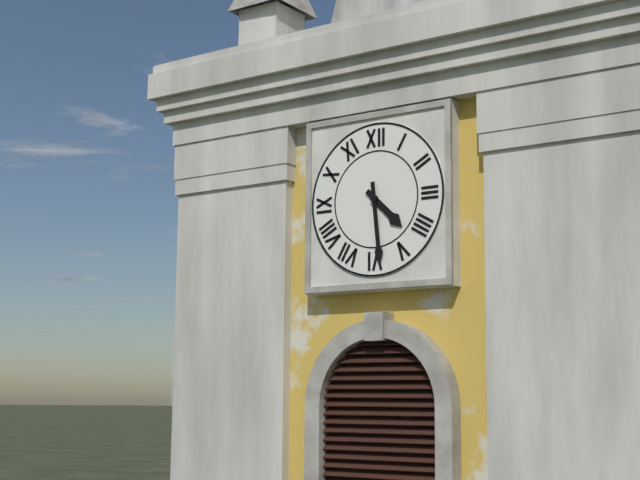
4:29
